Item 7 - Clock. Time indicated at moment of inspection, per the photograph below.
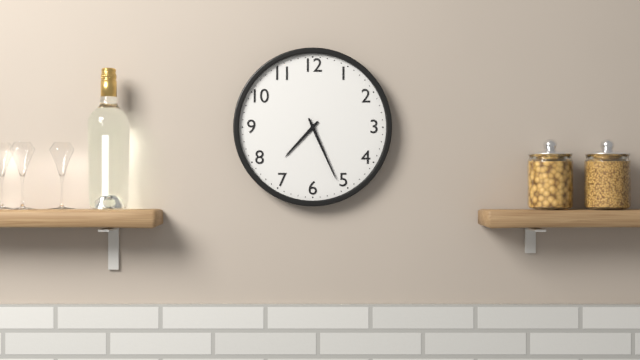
7:26
